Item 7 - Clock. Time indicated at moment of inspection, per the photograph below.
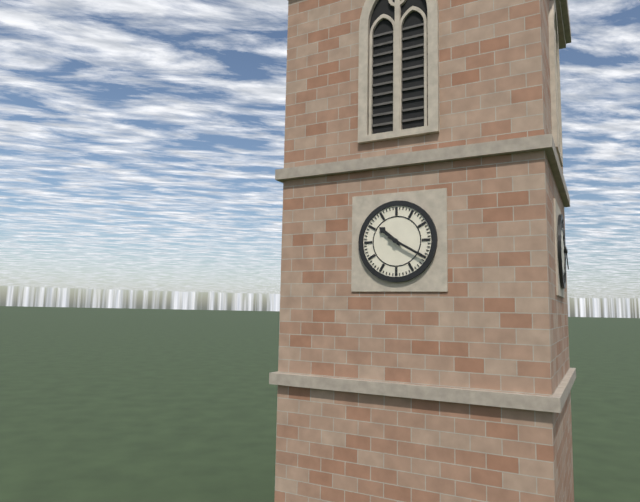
10:20
